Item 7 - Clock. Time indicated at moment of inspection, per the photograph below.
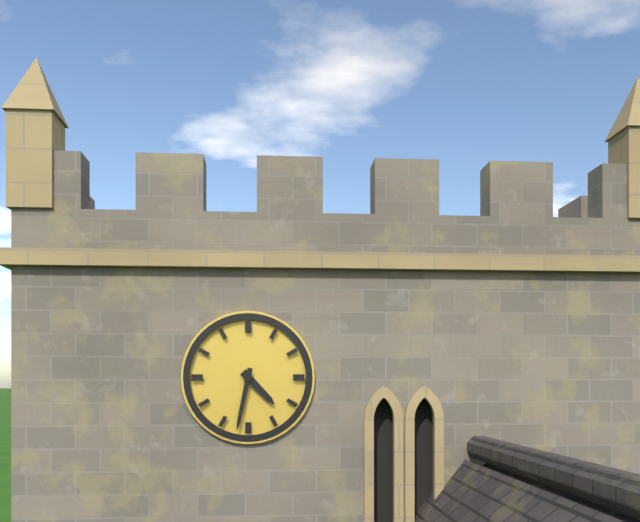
4:32
